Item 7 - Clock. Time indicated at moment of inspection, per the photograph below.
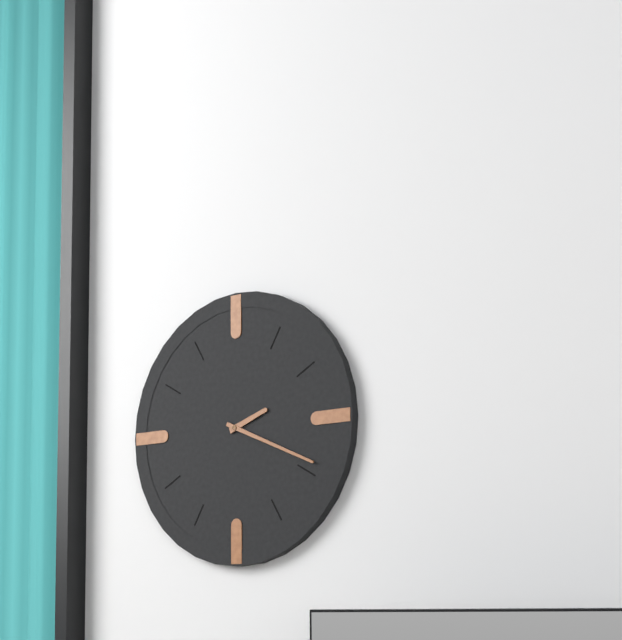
2:19
